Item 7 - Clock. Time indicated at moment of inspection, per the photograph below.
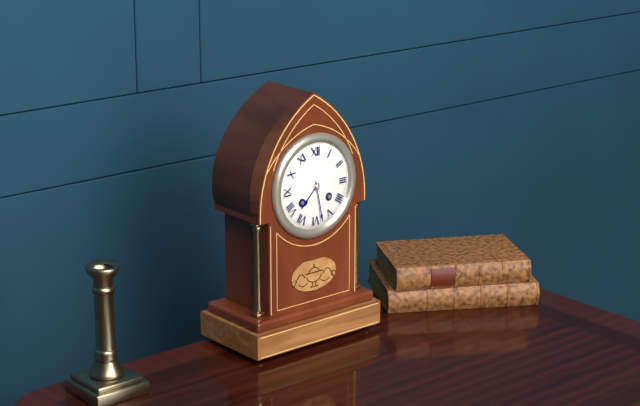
7:28
